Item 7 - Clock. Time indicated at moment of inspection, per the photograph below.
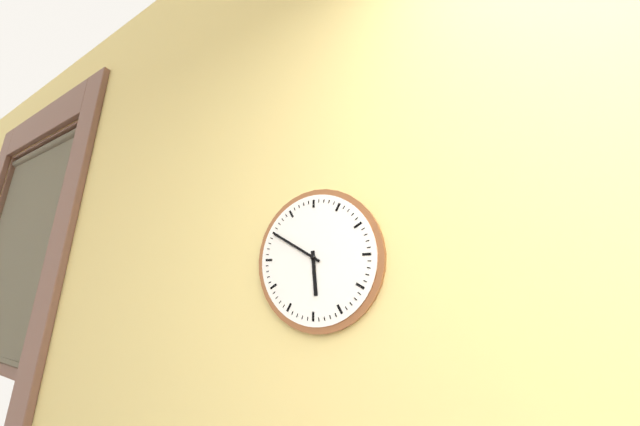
5:50
